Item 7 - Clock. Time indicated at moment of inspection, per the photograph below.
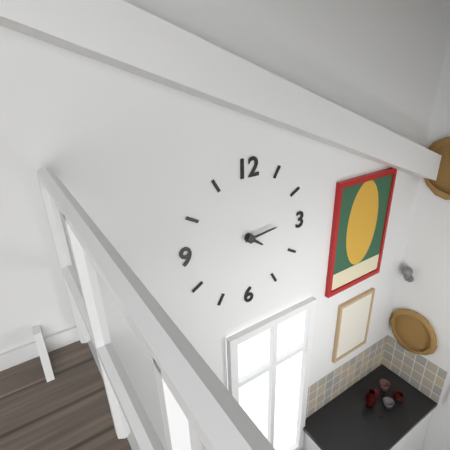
4:14
